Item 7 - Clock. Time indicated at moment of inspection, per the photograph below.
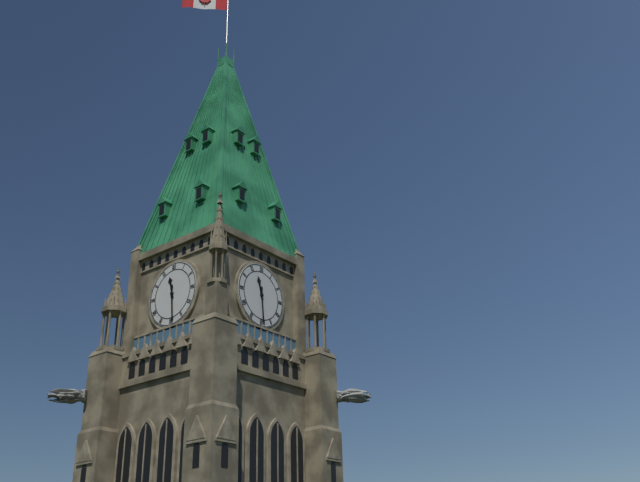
11:29
